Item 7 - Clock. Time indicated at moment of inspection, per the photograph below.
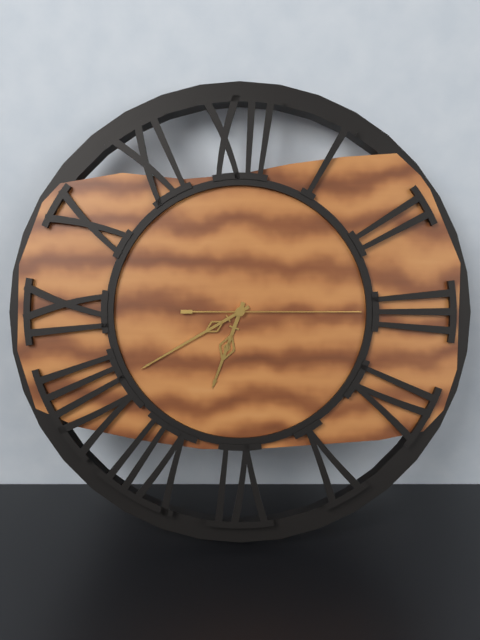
6:40:15
